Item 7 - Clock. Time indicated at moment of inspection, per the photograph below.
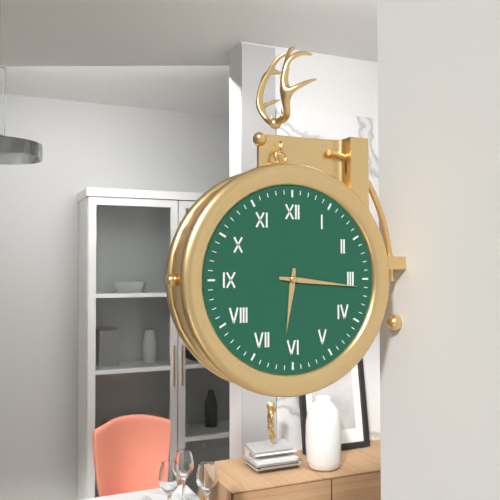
6:16
